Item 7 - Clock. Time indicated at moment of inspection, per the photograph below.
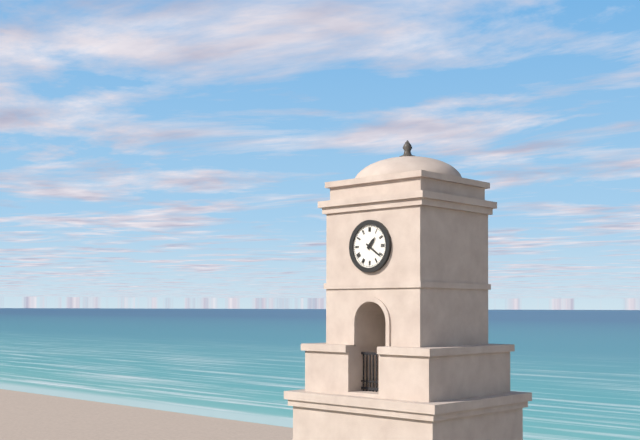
1:21
